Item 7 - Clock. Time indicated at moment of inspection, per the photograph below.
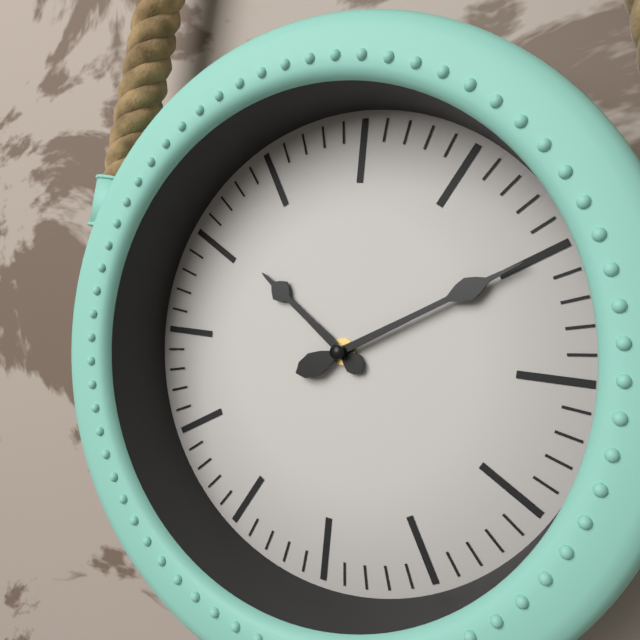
10:10
